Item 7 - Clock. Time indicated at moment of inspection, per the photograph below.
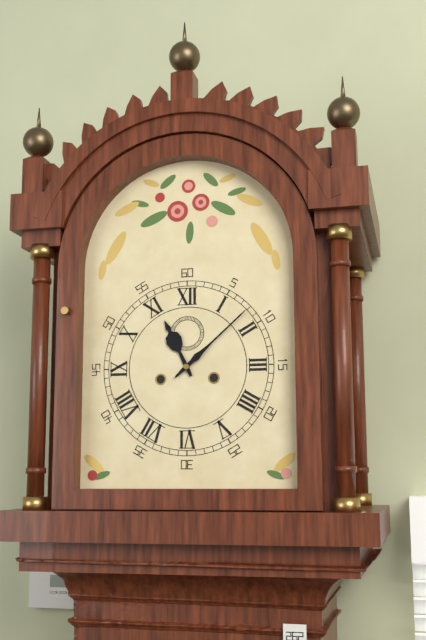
11:08
